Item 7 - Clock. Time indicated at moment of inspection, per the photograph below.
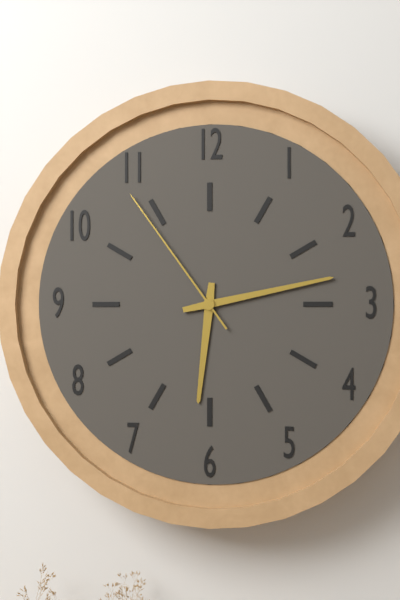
6:13:54
